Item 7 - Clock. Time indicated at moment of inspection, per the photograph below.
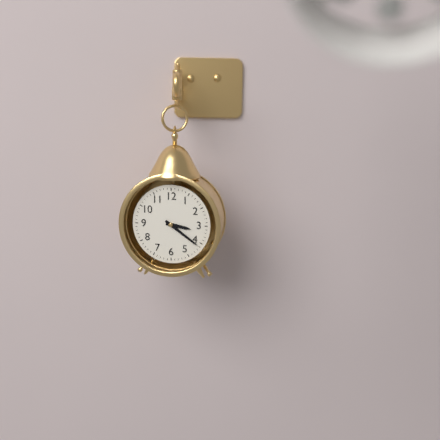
3:21
